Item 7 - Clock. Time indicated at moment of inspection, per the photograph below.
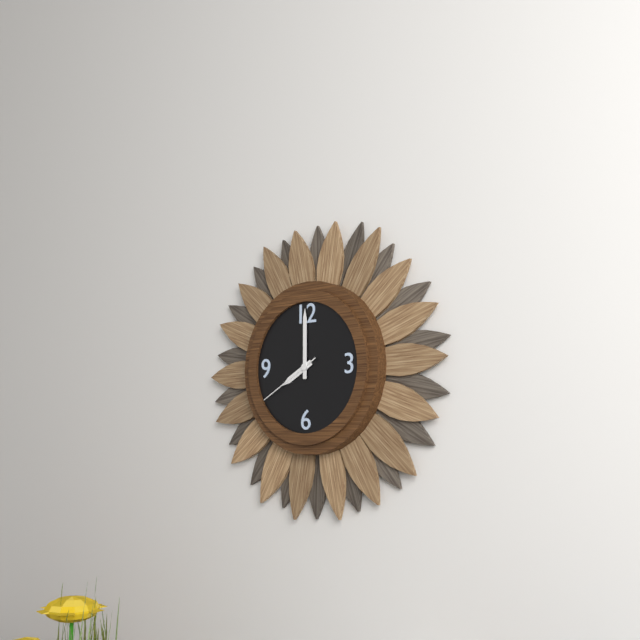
8:00:40
